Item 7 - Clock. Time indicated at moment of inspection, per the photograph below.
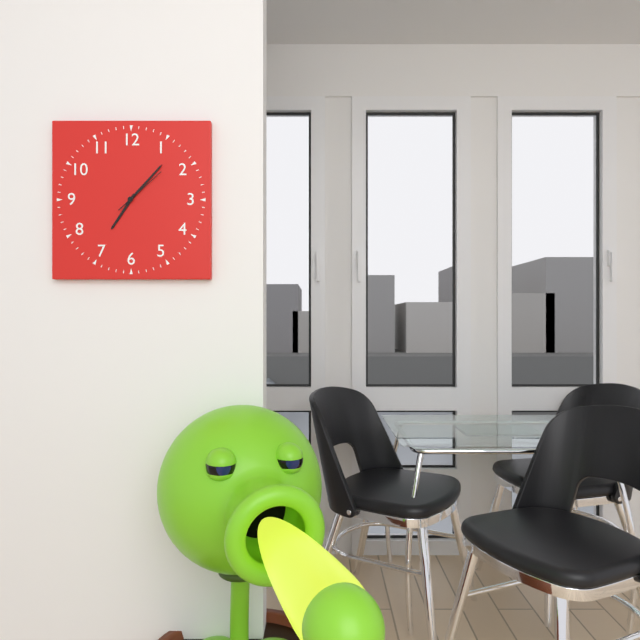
7:07:08
